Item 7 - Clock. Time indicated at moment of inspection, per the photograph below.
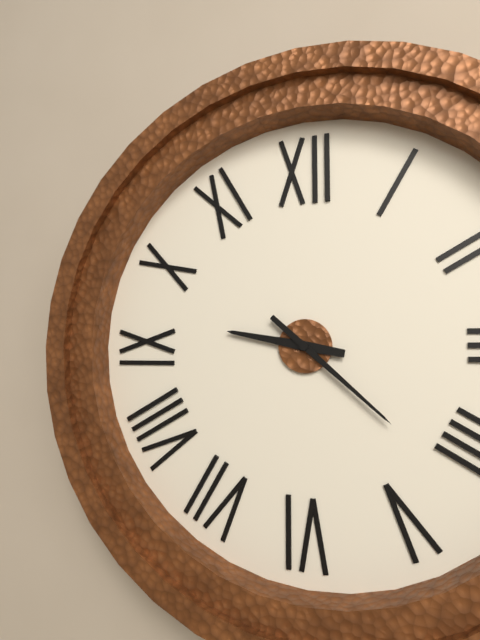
9:22
